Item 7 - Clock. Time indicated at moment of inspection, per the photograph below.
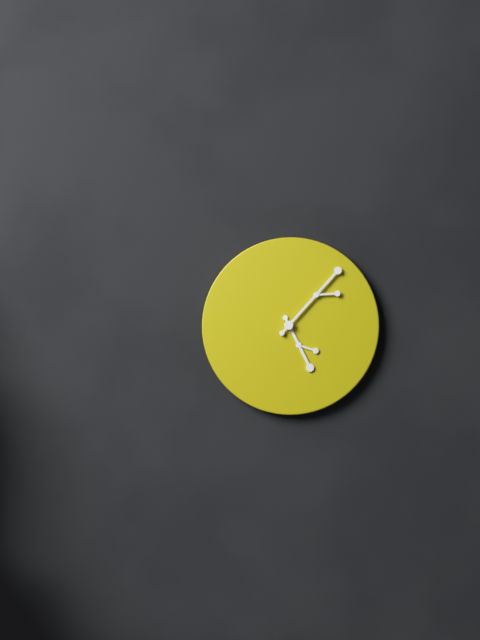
5:07
